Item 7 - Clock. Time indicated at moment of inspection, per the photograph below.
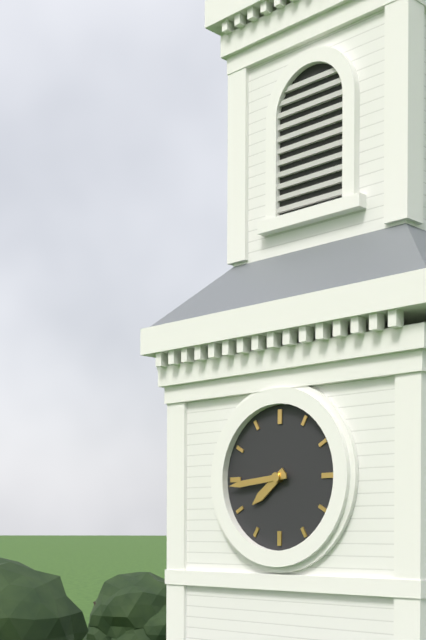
7:44
